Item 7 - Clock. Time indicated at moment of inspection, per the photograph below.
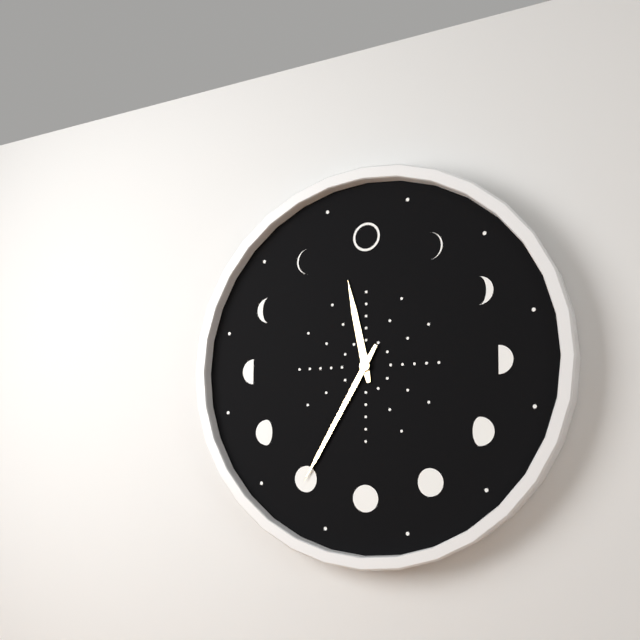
11:35
